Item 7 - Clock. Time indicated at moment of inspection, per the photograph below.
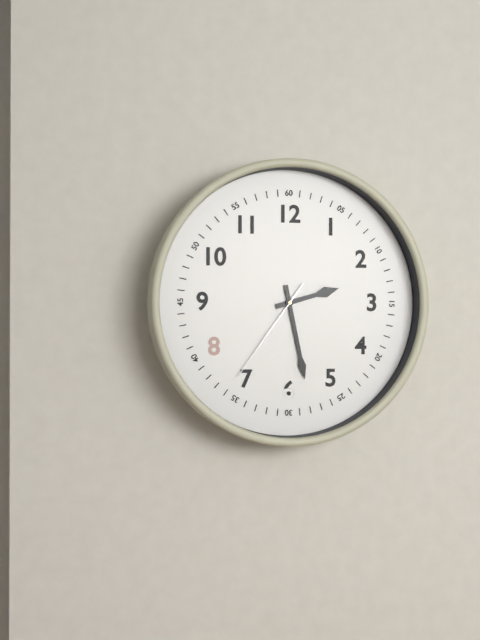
2:28:36
